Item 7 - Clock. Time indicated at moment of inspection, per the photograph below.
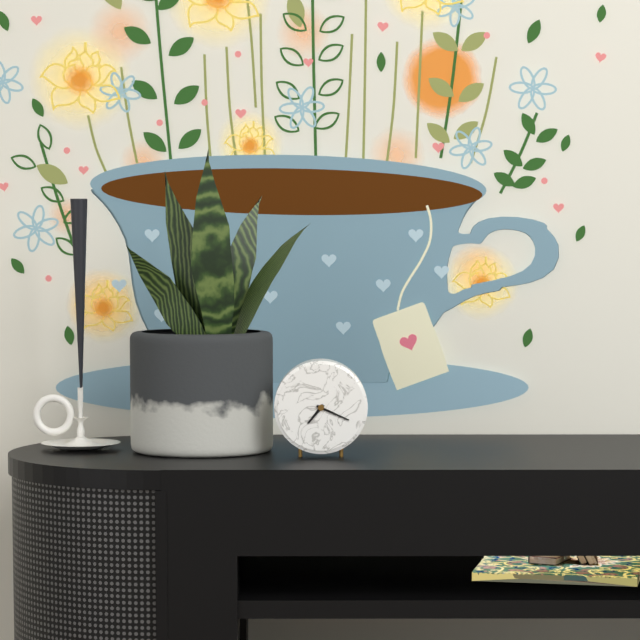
7:19
